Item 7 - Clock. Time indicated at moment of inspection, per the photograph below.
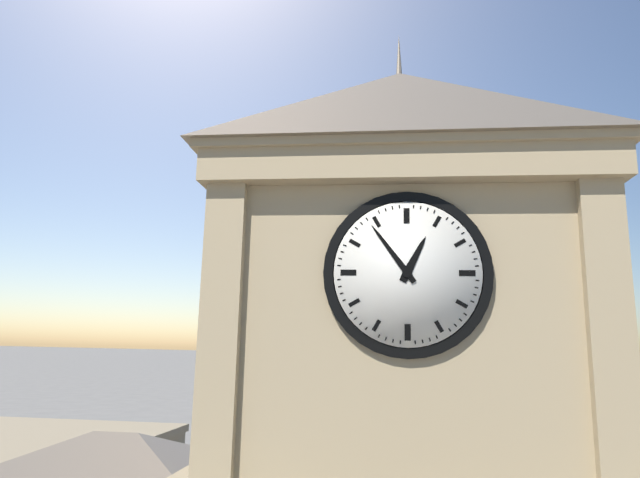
12:54
